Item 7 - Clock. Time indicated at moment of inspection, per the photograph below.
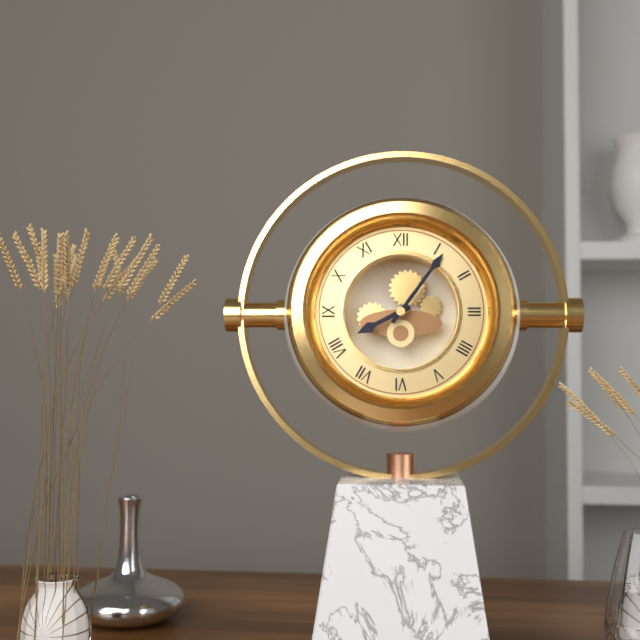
8:06
